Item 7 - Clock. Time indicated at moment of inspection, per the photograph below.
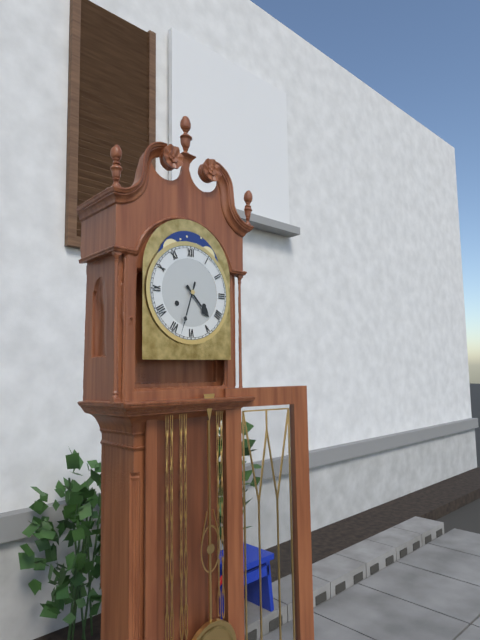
4:33
